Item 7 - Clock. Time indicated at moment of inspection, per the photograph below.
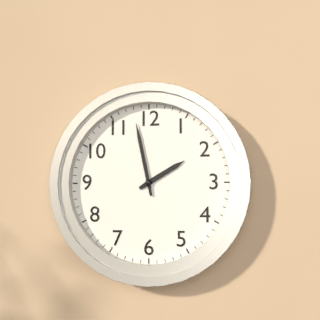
1:58
